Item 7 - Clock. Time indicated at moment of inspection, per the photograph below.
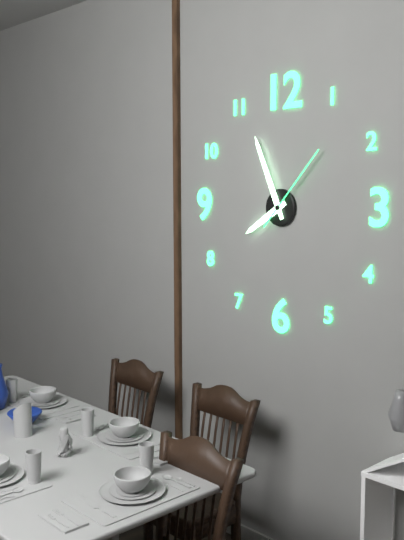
7:56:07
